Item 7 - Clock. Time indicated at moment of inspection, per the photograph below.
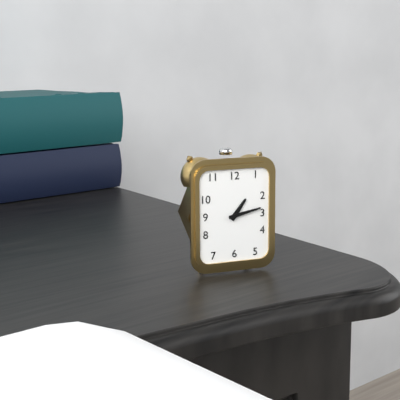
1:13
